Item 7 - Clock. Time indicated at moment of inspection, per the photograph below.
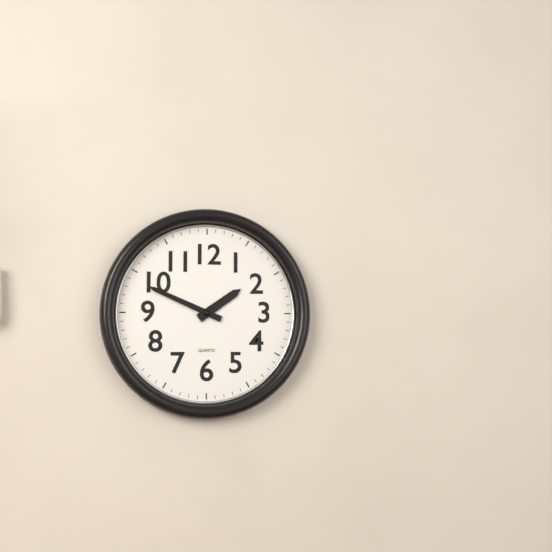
1:49
